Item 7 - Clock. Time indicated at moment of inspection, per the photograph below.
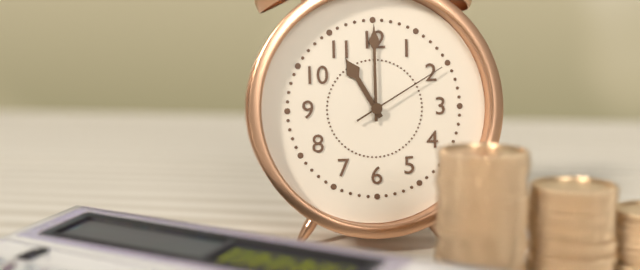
11:00:10
